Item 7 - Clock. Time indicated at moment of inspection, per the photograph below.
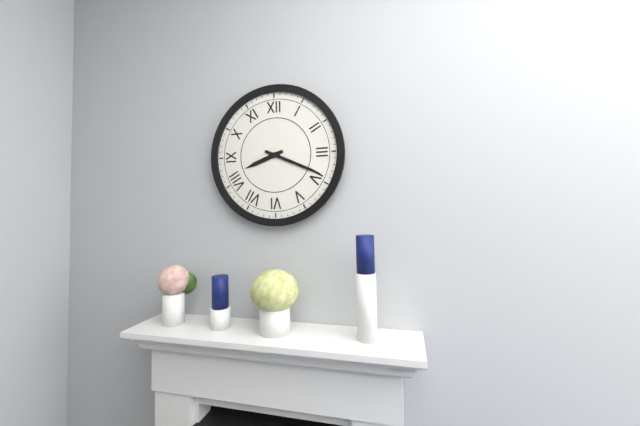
8:19
